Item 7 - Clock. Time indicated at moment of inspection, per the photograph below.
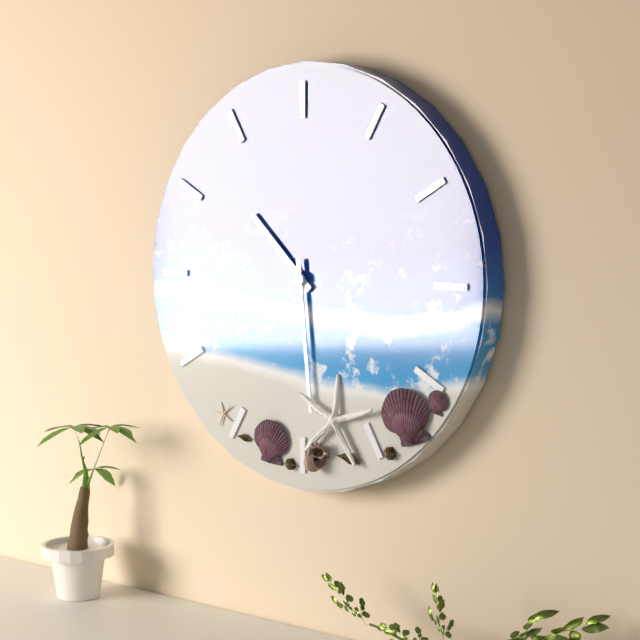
10:29
